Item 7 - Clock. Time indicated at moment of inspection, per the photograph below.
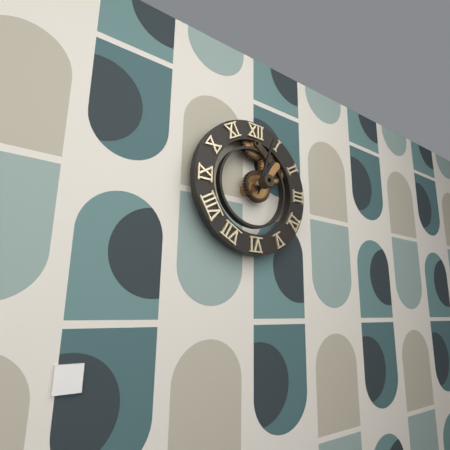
1:03
